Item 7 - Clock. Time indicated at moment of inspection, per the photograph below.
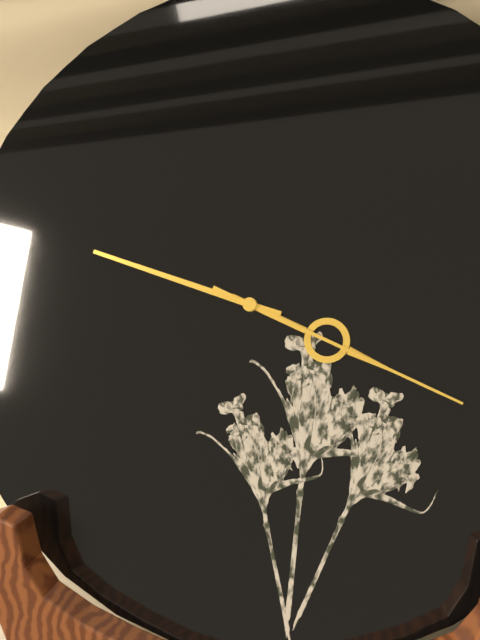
3:48:19
